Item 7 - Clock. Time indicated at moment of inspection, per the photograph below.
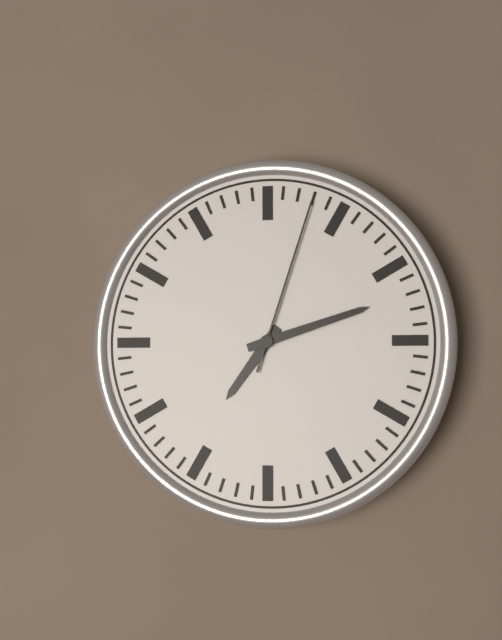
7:12:03
